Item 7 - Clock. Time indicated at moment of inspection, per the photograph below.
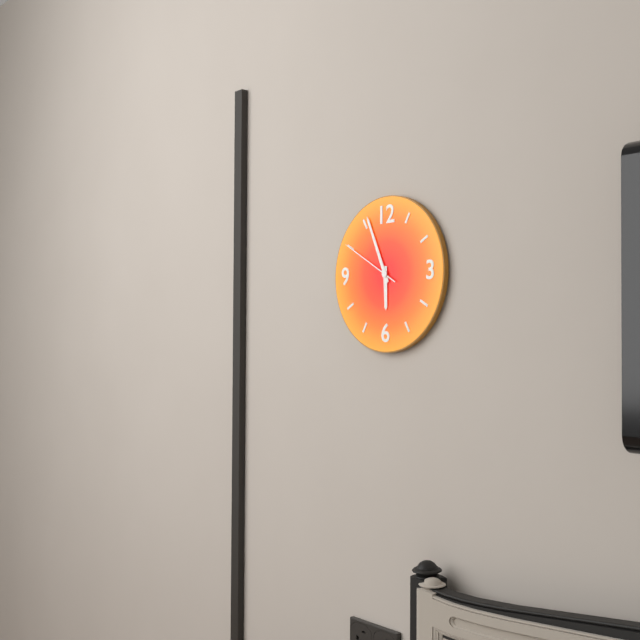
5:56:50
